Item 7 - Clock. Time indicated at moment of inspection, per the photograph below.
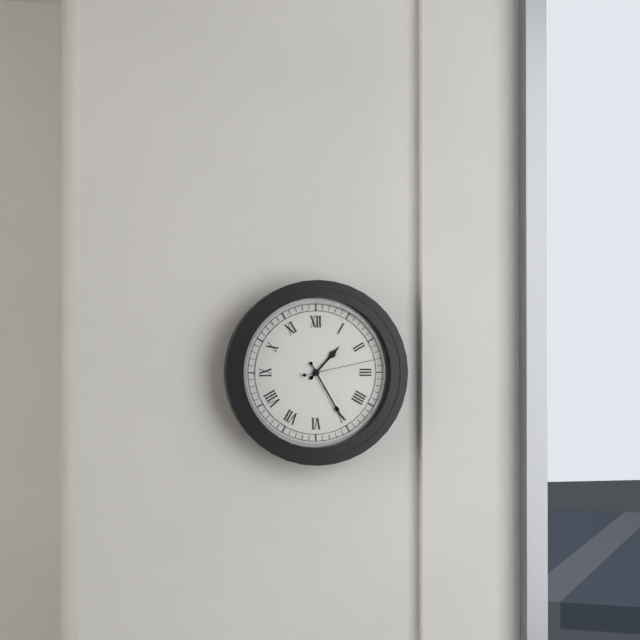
1:25:13
